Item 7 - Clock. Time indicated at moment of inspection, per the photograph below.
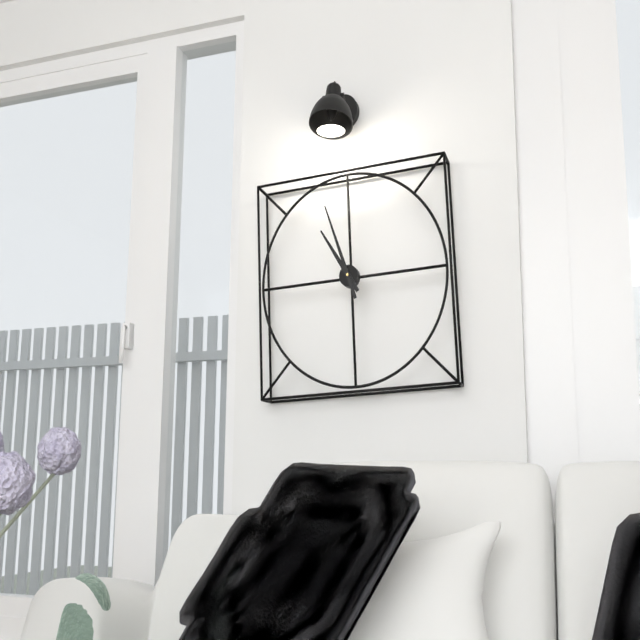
10:57
